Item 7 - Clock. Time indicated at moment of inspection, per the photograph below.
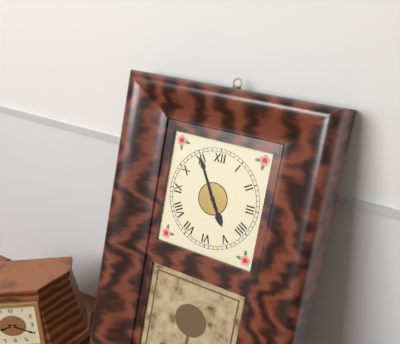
4:55
